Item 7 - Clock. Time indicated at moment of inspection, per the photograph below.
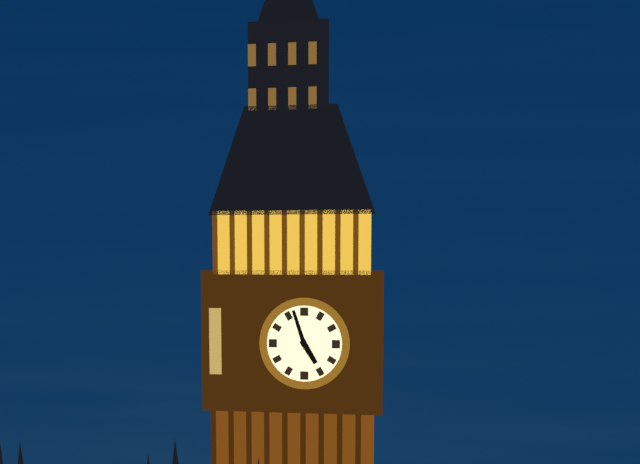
4:57
